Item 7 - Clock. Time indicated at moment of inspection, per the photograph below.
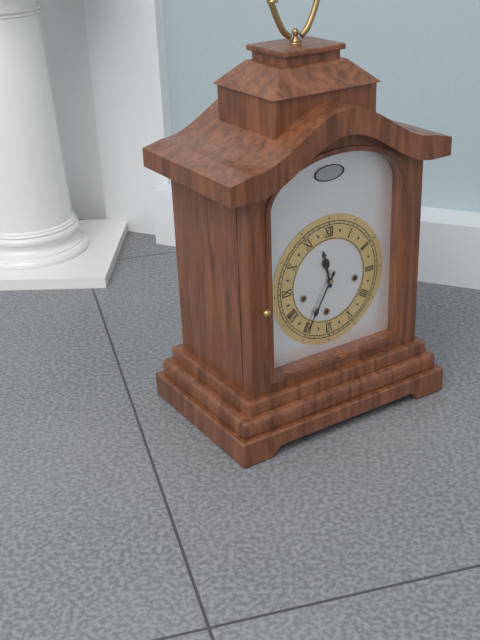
11:35
